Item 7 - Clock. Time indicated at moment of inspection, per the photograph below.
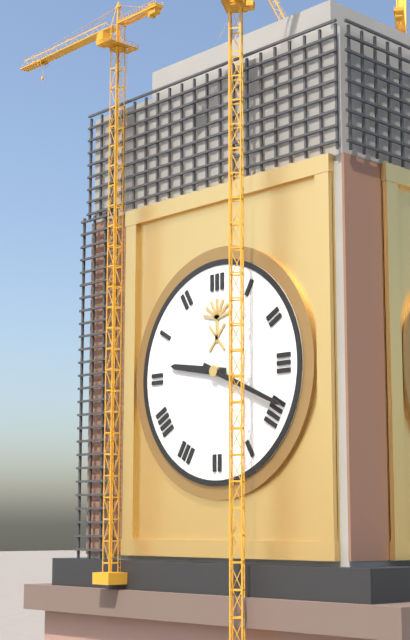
9:19
